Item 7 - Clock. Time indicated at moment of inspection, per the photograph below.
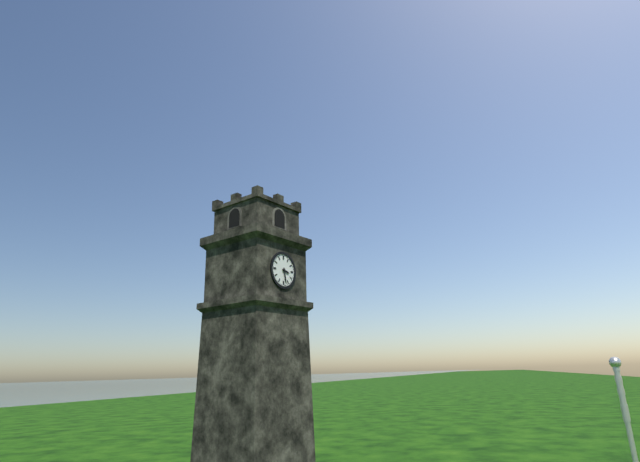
3:28
